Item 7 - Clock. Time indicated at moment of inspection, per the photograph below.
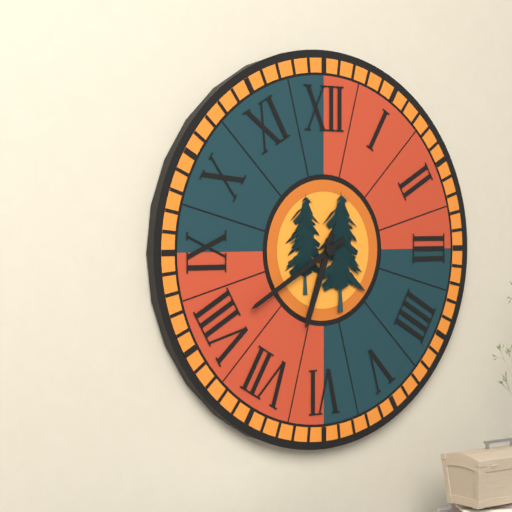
6:40
